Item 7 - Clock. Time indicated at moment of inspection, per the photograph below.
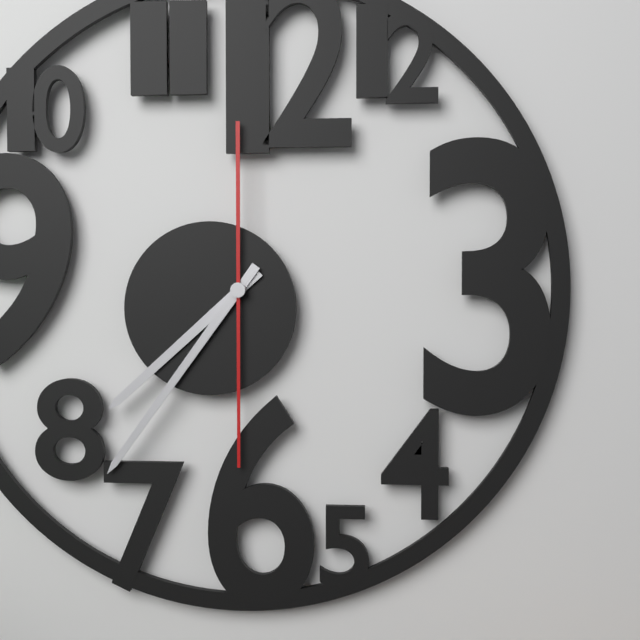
7:36:30
